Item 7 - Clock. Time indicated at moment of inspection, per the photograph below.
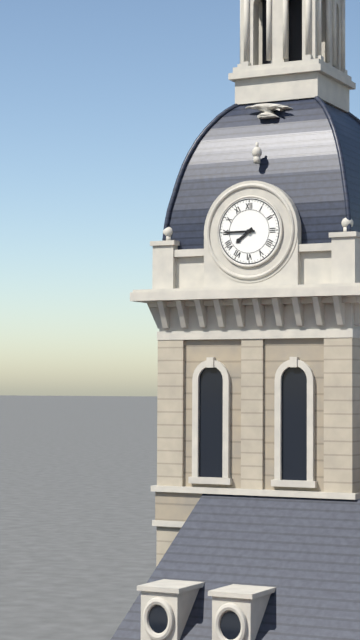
7:45
